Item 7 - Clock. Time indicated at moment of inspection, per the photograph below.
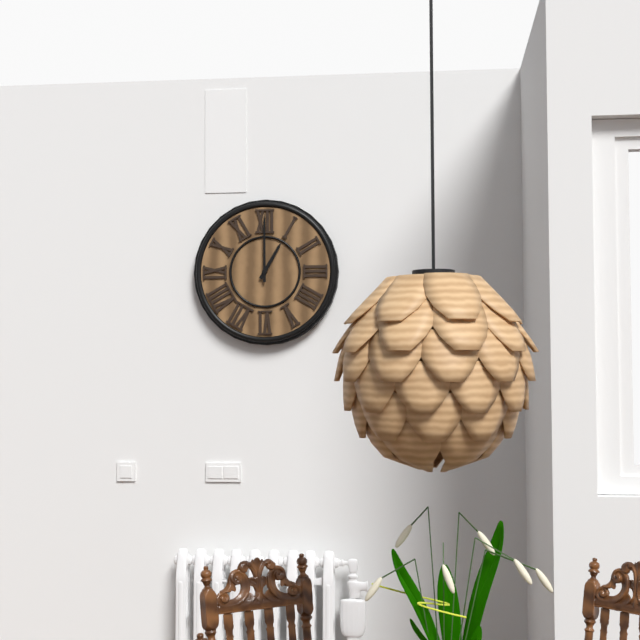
1:00
